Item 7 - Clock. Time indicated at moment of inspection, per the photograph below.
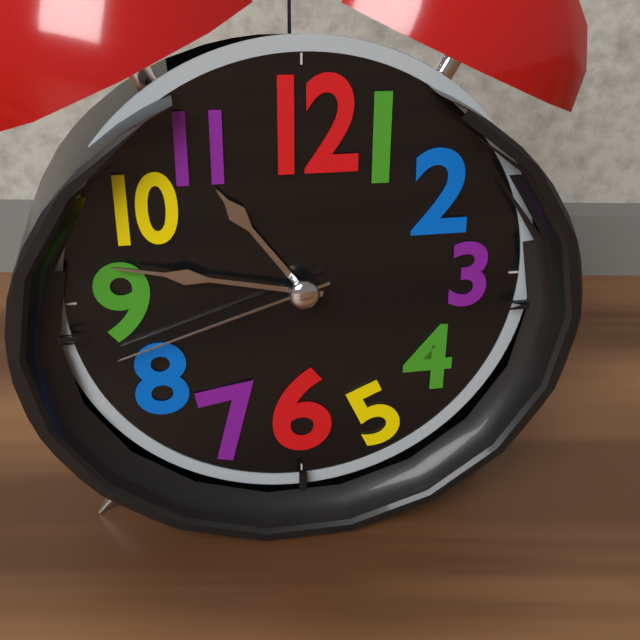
10:47:42
